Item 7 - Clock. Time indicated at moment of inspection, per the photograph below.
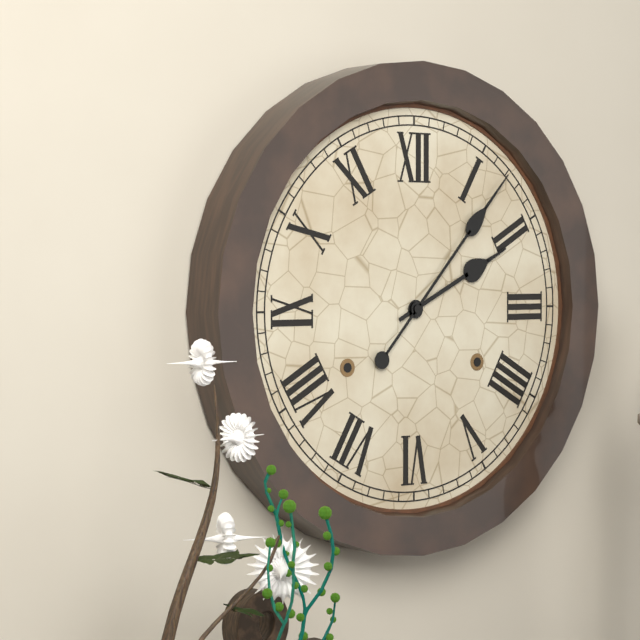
2:07
